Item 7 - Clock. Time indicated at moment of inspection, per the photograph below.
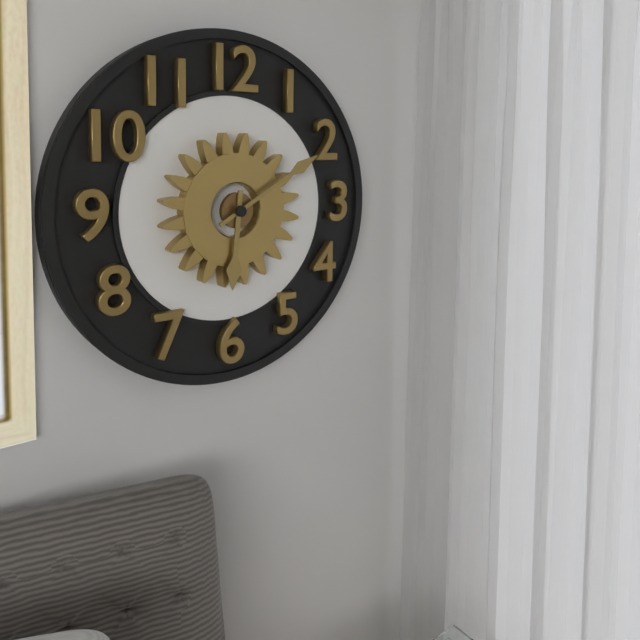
6:10
